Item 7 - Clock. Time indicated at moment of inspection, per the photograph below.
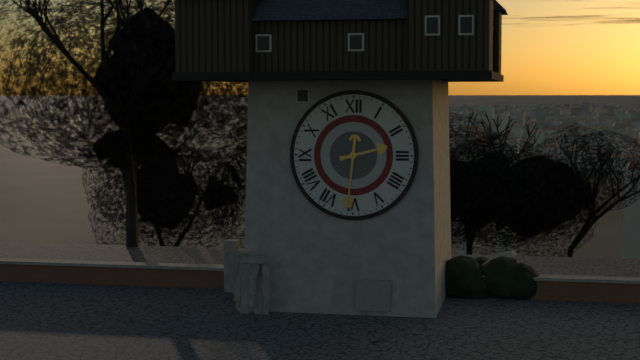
2:31
